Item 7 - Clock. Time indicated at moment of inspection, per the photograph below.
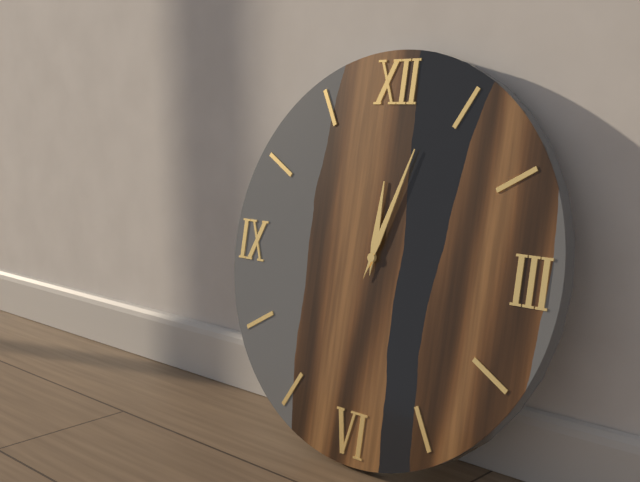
12:03
